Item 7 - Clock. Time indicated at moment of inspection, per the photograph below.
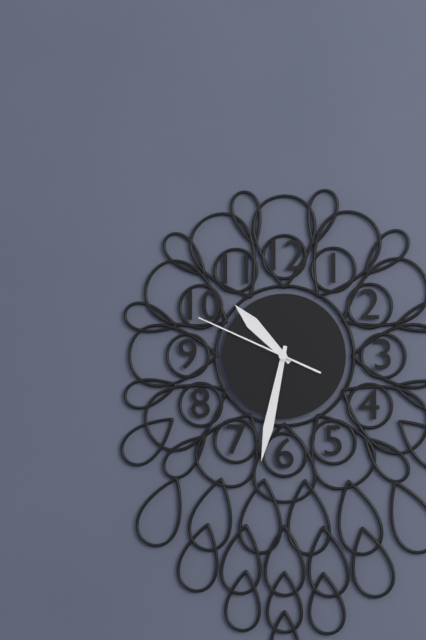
10:32:49
